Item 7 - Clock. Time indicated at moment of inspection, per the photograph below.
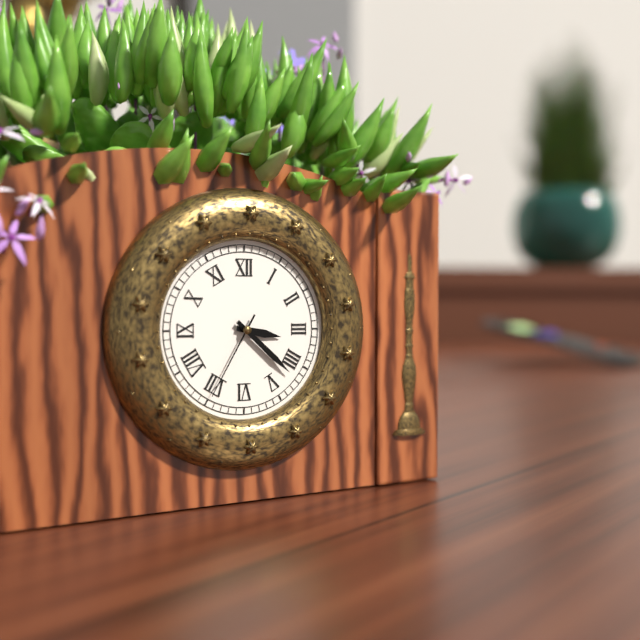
3:22:35
